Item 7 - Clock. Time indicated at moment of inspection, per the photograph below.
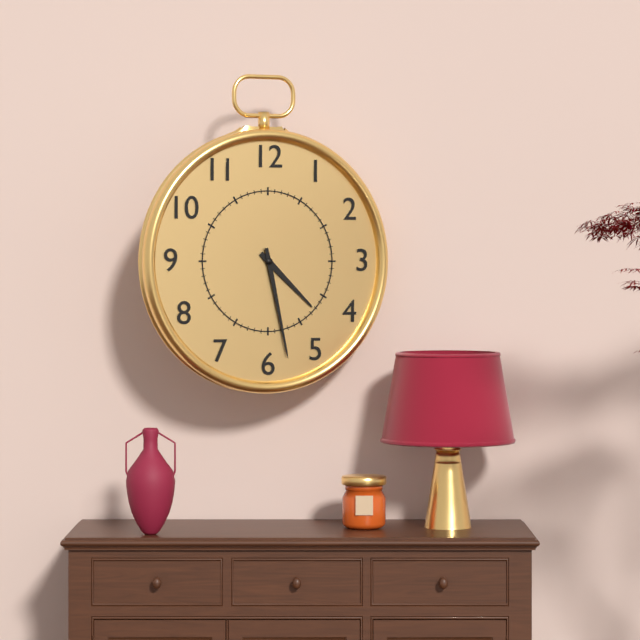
4:28
